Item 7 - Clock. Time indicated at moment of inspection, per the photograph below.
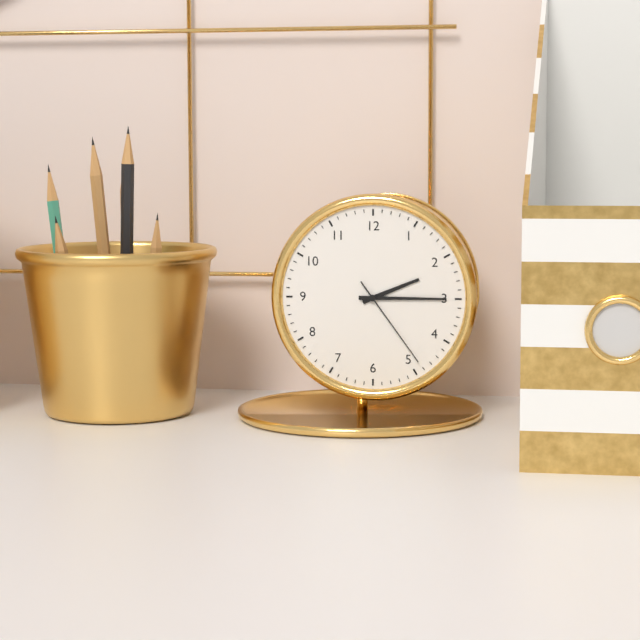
2:15:24
